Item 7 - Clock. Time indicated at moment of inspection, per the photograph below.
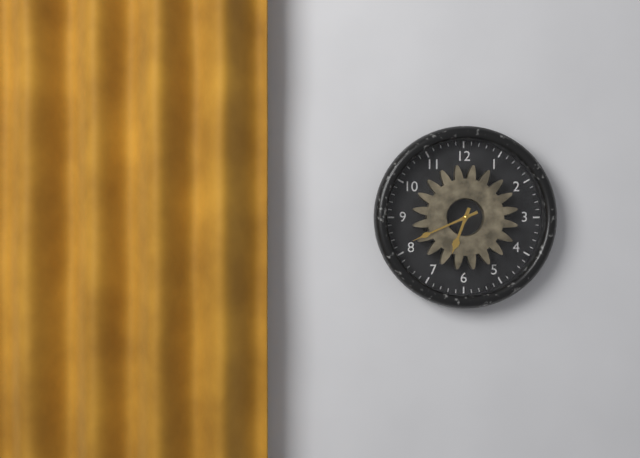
6:41
